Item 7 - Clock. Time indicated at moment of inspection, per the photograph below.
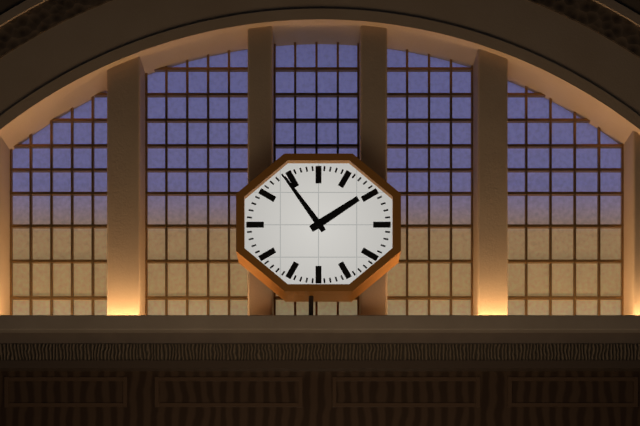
1:54
